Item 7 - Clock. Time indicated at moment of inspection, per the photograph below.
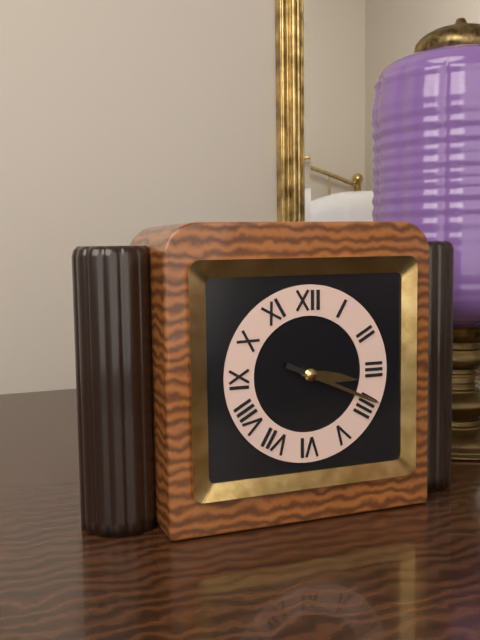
3:19
